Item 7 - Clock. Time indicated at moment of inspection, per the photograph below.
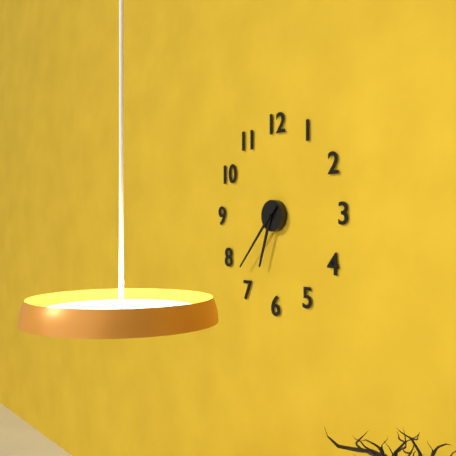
6:37
